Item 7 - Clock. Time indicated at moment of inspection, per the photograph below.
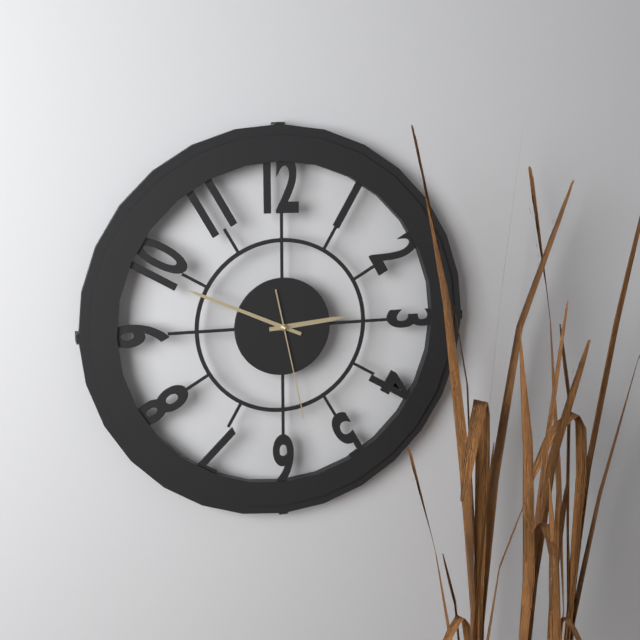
2:49:28
